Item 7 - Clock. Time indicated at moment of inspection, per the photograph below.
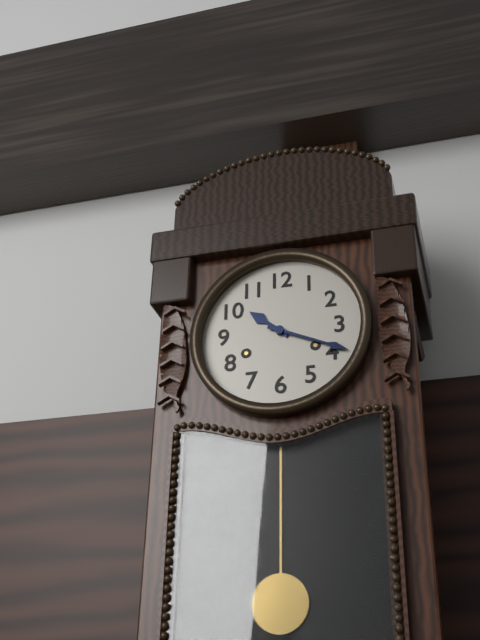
10:19
